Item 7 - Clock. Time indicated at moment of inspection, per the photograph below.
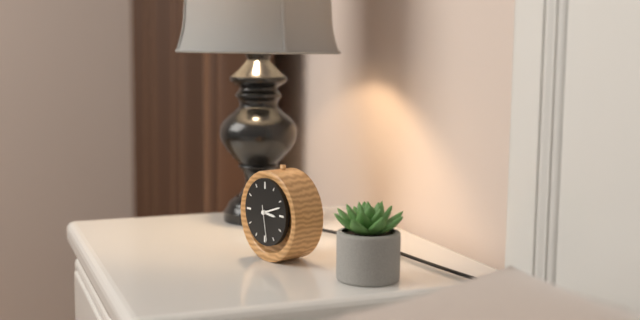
3:12
